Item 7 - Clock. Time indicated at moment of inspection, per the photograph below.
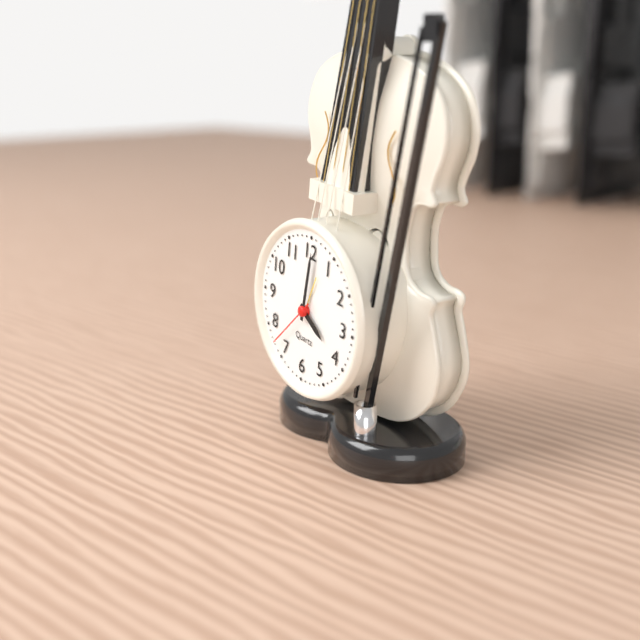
4:01:37
